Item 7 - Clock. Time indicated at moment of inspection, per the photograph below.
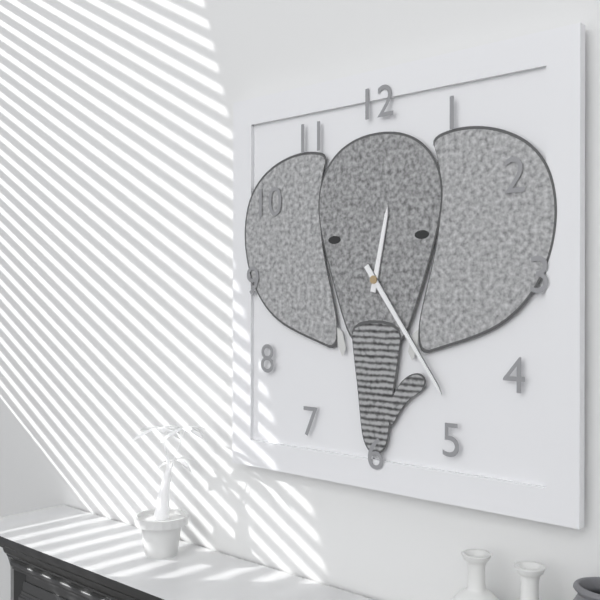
12:24
